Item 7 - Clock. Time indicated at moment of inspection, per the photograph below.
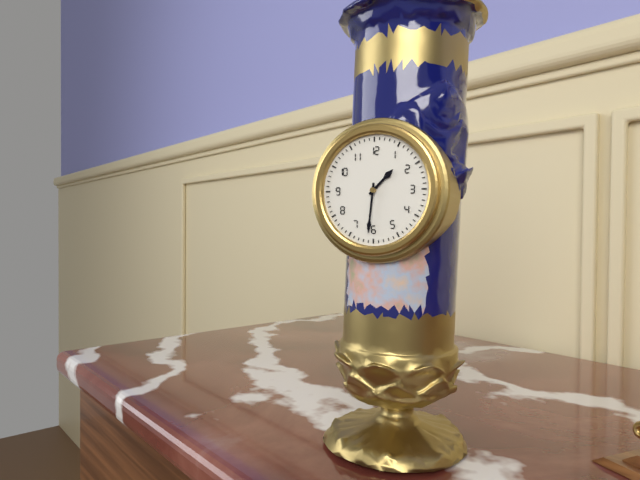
1:31
